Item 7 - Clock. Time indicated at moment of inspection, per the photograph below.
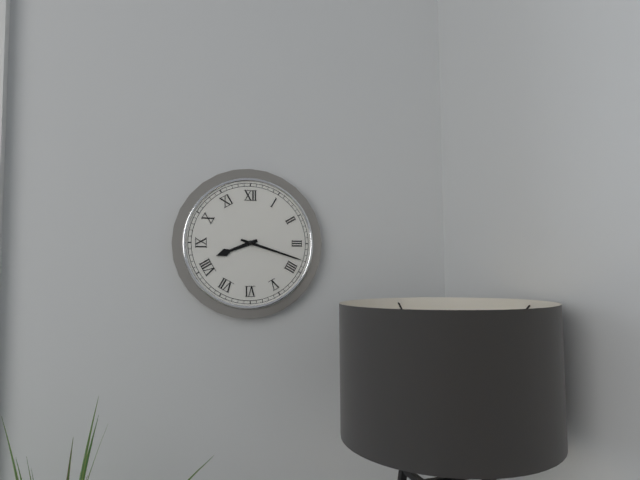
8:18
